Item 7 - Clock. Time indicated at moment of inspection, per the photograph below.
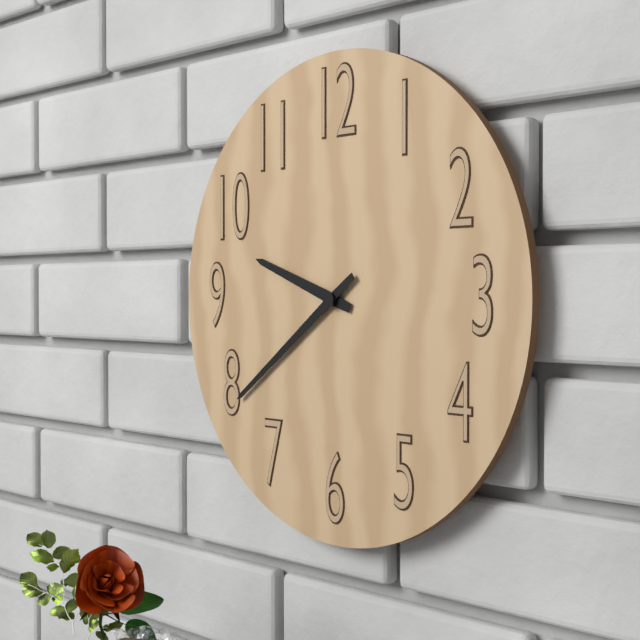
9:39
